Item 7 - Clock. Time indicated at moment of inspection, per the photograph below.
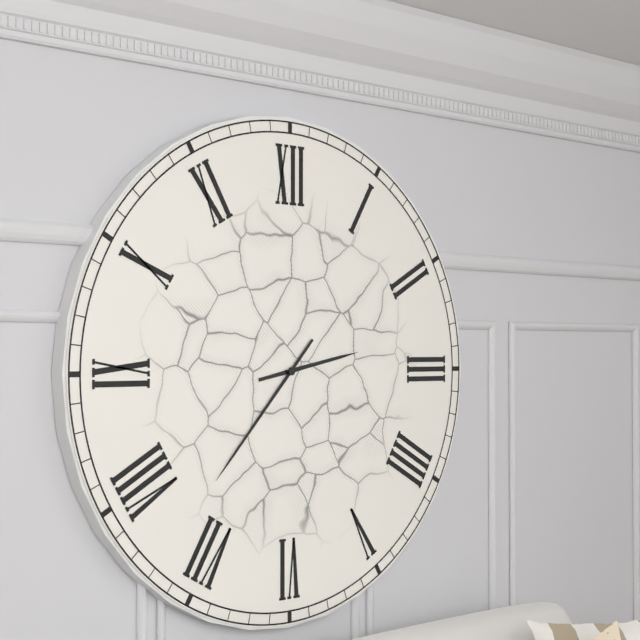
2:37
